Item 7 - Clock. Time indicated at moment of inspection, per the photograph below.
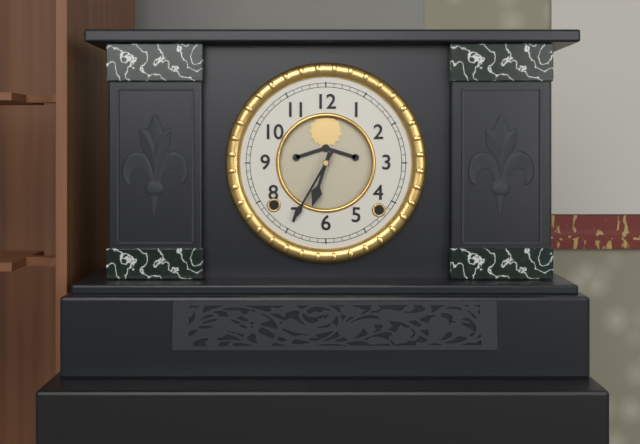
6:35
